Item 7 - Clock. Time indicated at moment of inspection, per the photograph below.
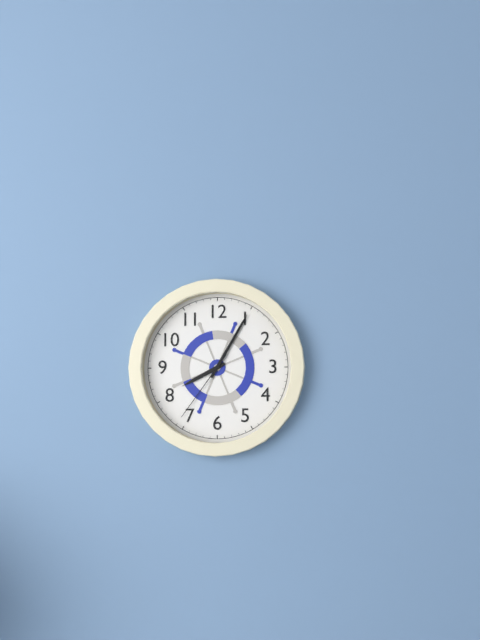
8:05:36
